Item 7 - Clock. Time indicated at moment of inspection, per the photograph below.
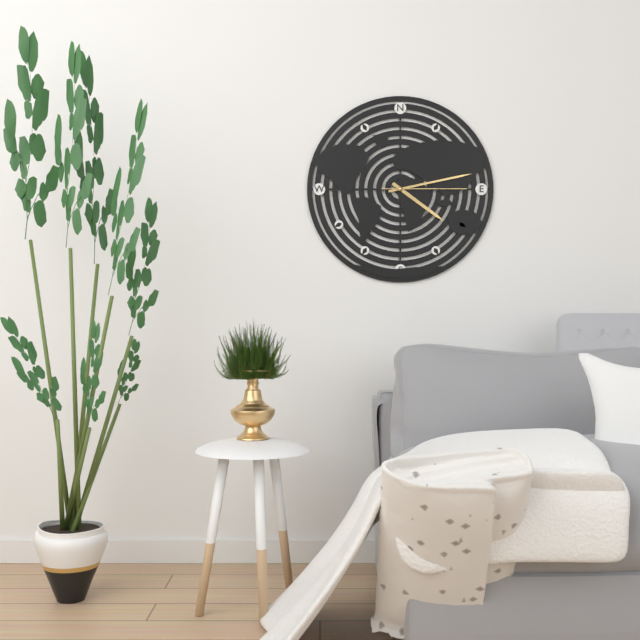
4:13:15
